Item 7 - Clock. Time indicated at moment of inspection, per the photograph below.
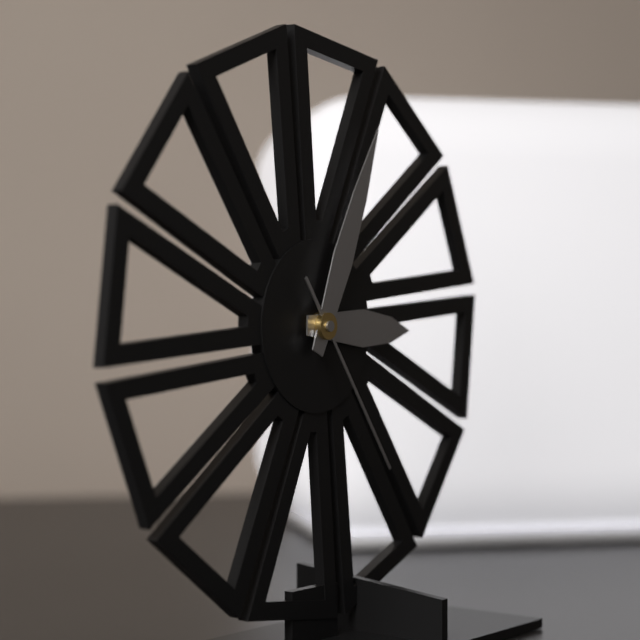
3:04:24
